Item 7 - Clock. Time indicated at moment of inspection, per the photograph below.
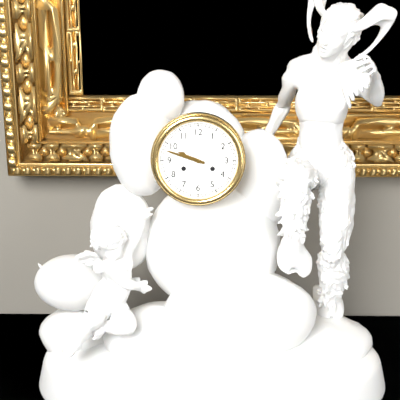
9:48
